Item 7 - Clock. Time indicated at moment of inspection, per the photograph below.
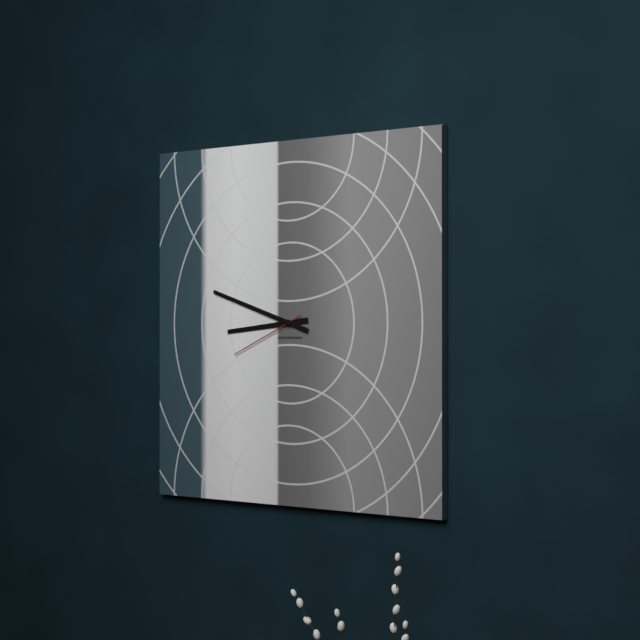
8:48:41
